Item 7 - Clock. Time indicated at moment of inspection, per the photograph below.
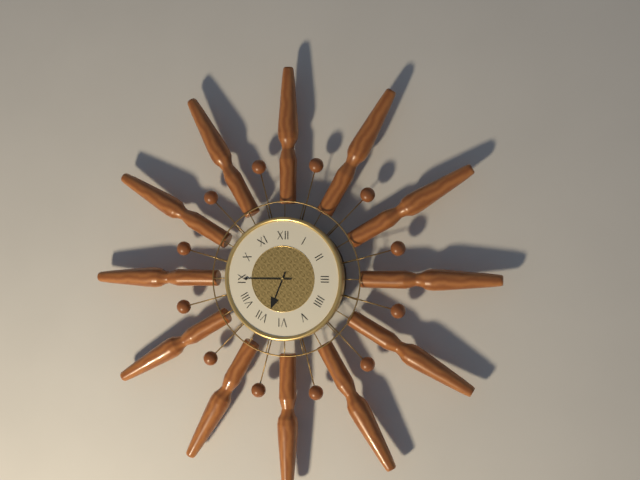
6:45
